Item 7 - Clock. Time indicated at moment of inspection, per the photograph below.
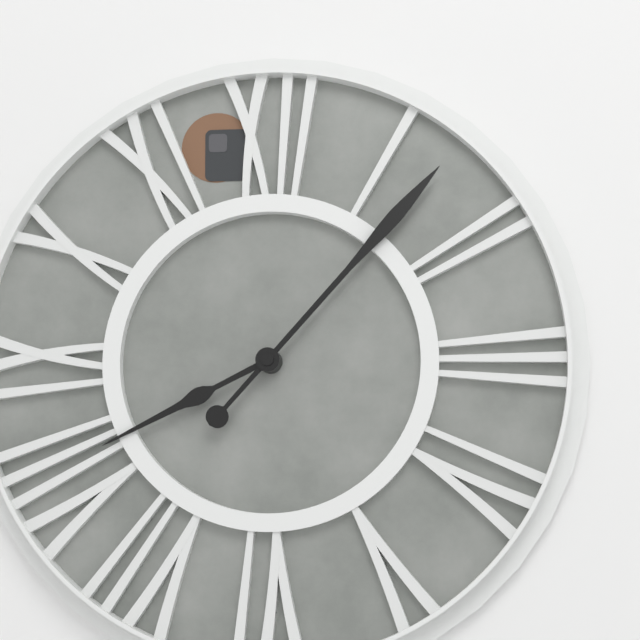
8:07
